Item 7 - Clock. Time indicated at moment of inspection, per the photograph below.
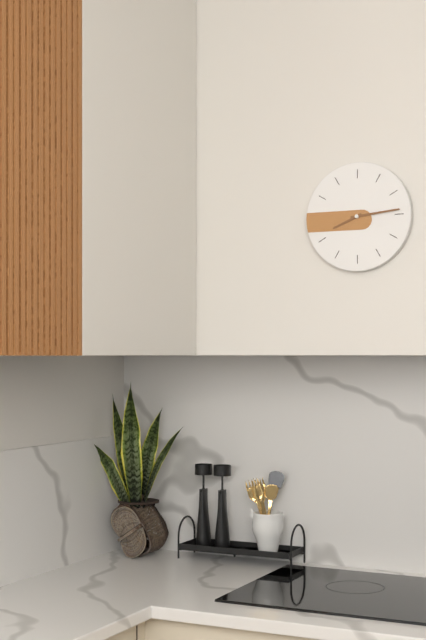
8:14
